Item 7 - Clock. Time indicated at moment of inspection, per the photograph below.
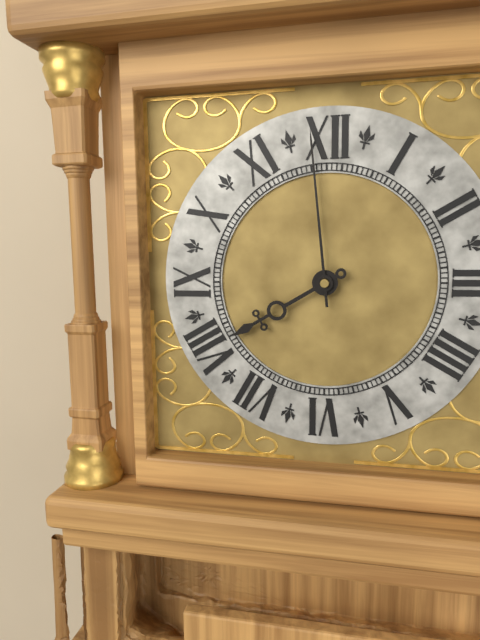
7:59
